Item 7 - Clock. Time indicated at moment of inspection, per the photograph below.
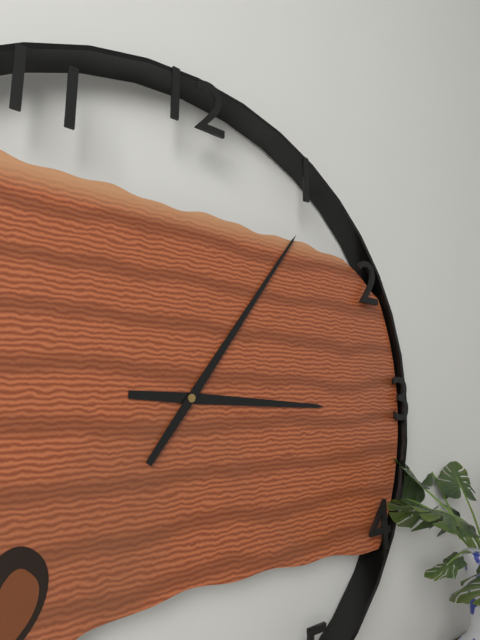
3:06
